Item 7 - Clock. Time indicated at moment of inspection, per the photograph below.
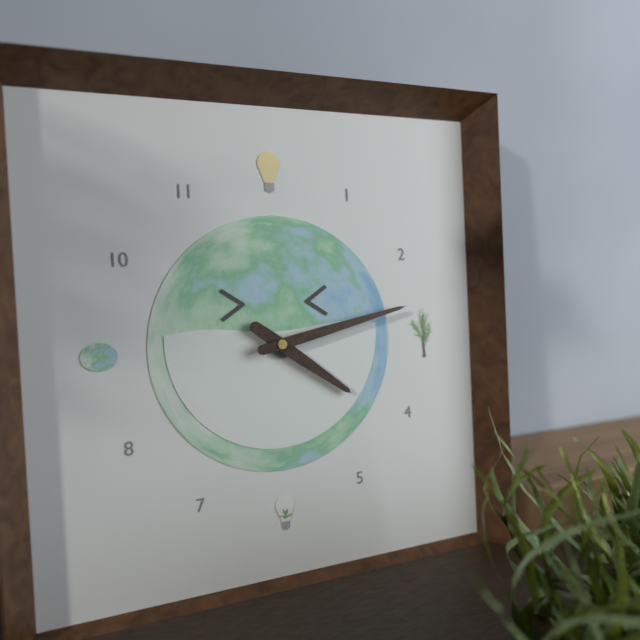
4:13
